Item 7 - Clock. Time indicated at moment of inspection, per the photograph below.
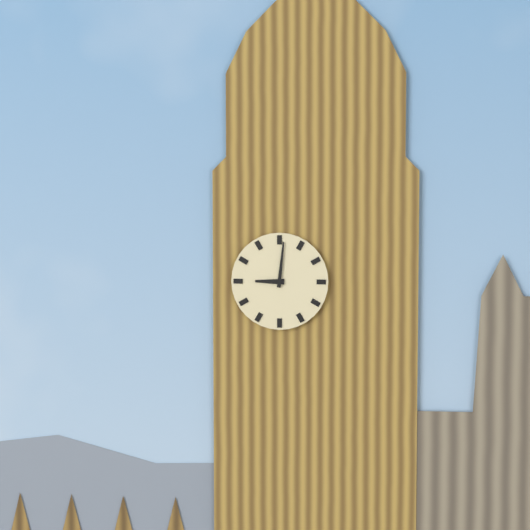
9:01
